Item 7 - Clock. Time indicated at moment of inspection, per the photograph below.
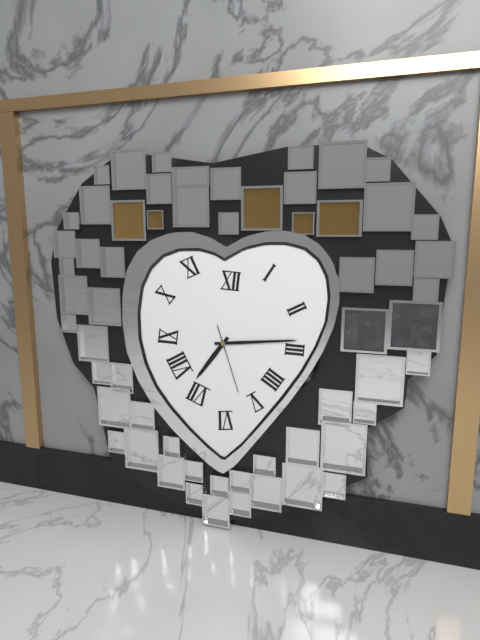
7:14:27
